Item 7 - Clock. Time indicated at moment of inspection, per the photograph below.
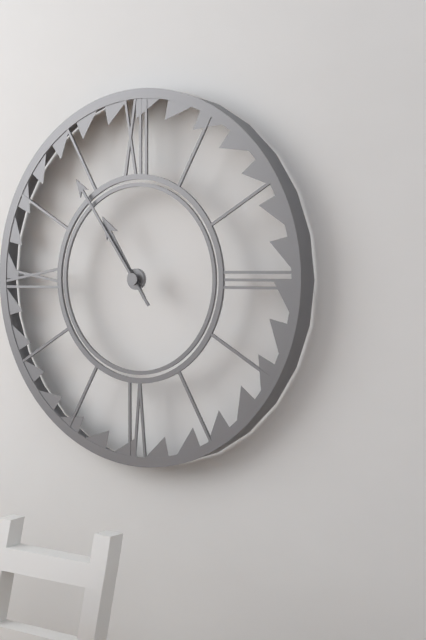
10:54
